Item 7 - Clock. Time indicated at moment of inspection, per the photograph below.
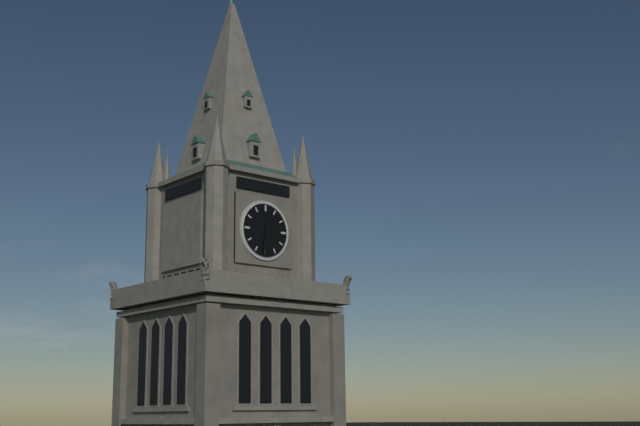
12:31
